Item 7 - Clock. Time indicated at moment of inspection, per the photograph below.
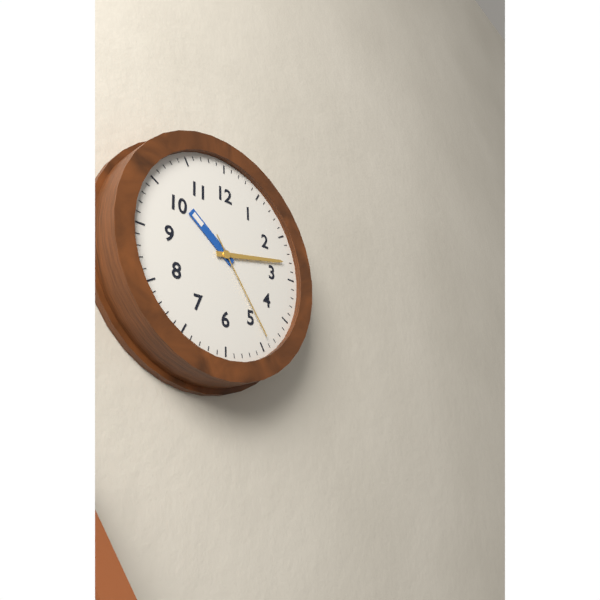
10:13:24
